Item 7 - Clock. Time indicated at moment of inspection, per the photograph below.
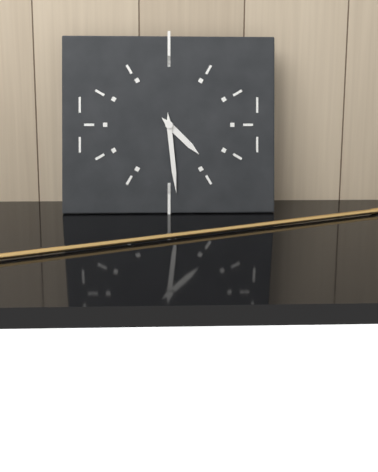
4:29
